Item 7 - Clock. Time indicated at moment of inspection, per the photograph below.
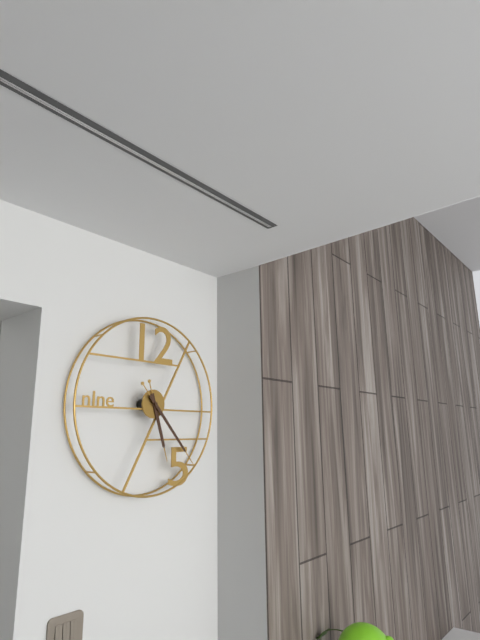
5:23
